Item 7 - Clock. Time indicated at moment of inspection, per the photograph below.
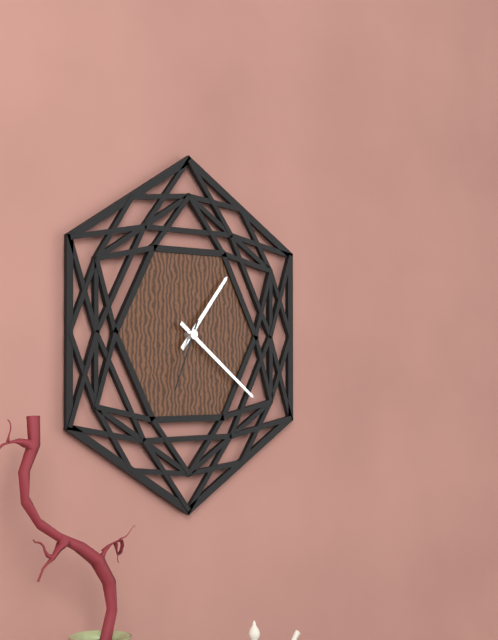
1:21:34
